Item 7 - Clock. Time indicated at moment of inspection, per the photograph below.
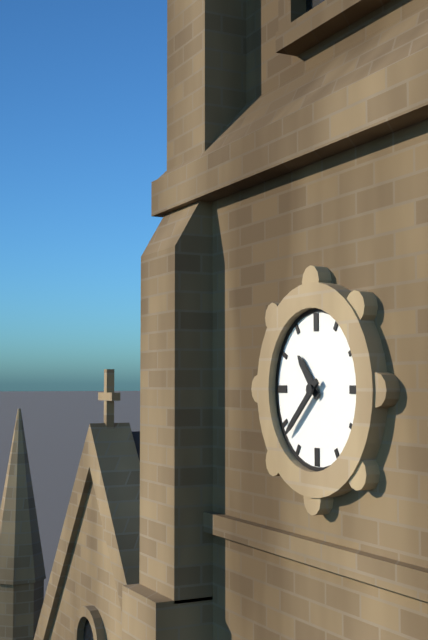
10:38
